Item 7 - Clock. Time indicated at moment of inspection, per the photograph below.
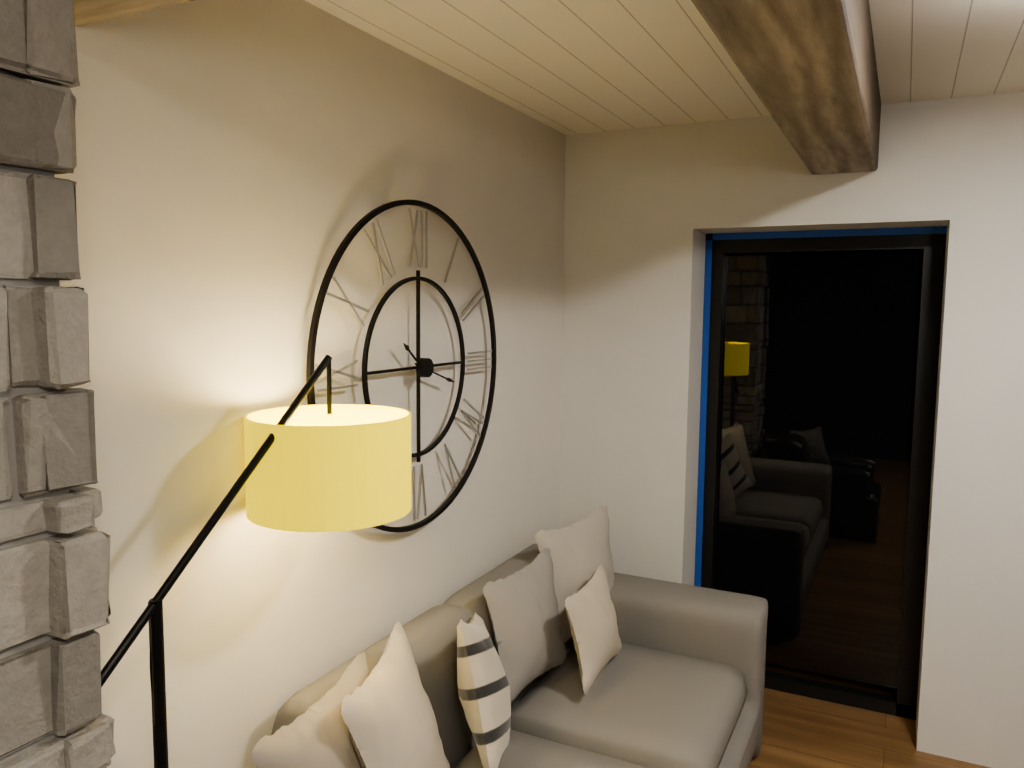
10:18
